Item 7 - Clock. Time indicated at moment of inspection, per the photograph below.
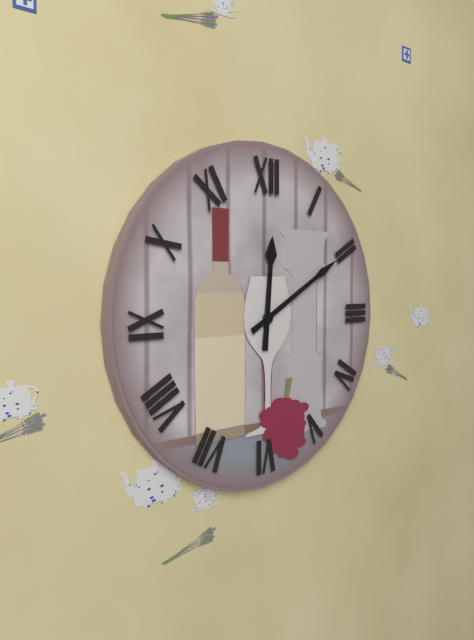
12:10
